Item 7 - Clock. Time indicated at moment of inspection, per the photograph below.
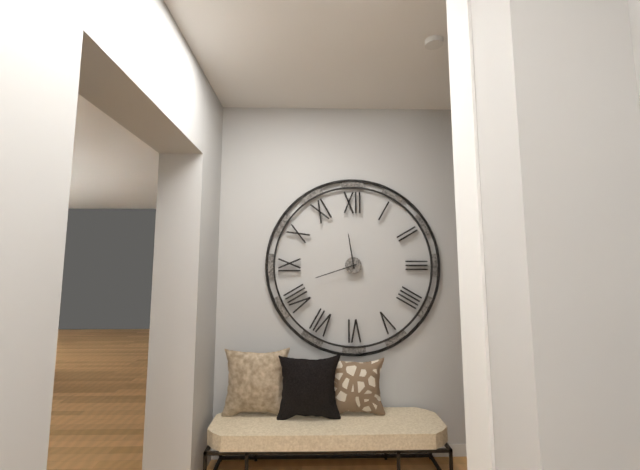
11:42
